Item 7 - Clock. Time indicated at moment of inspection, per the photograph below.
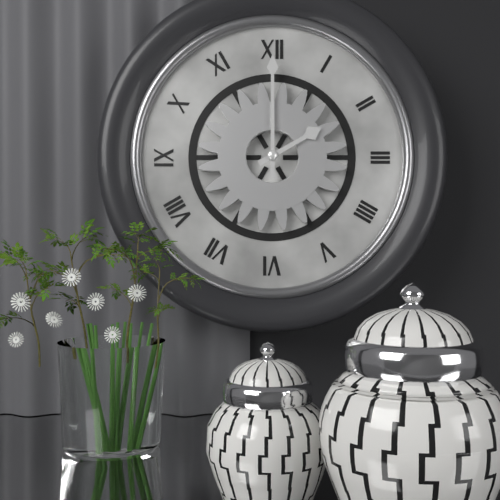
2:00
